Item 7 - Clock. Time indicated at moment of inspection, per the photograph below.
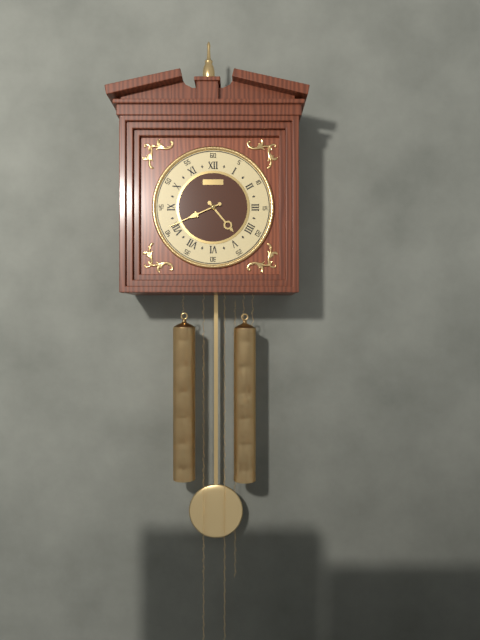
4:41
